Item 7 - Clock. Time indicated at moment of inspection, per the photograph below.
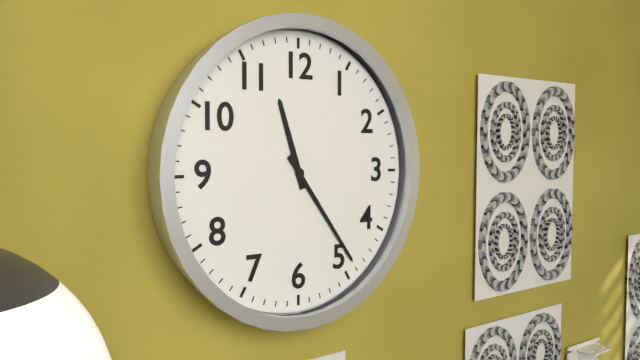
11:24
